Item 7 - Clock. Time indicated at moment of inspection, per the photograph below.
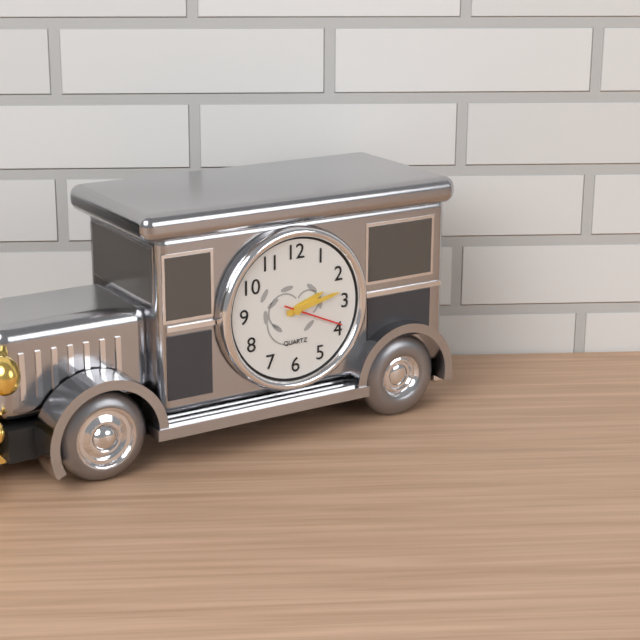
2:13:19
